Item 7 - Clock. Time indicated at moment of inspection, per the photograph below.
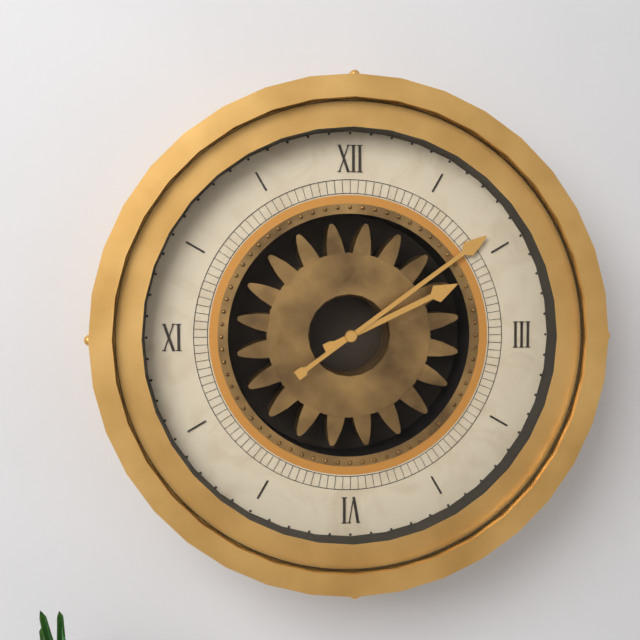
2:09
